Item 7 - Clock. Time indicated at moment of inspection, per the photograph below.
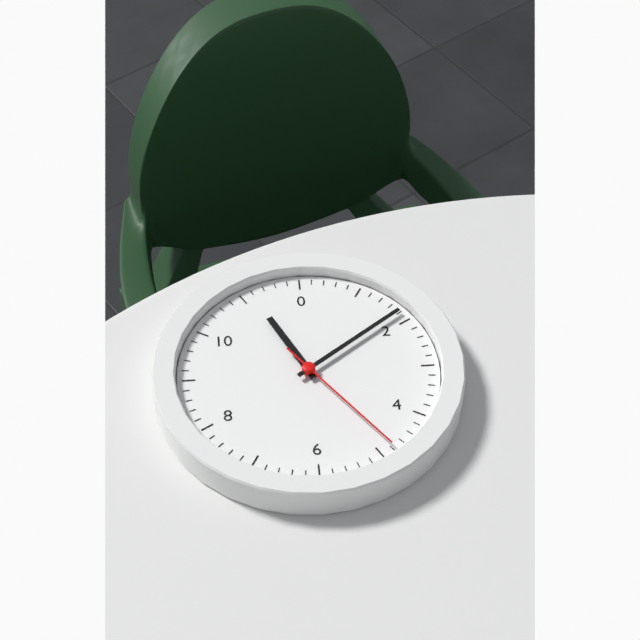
11:09:24
